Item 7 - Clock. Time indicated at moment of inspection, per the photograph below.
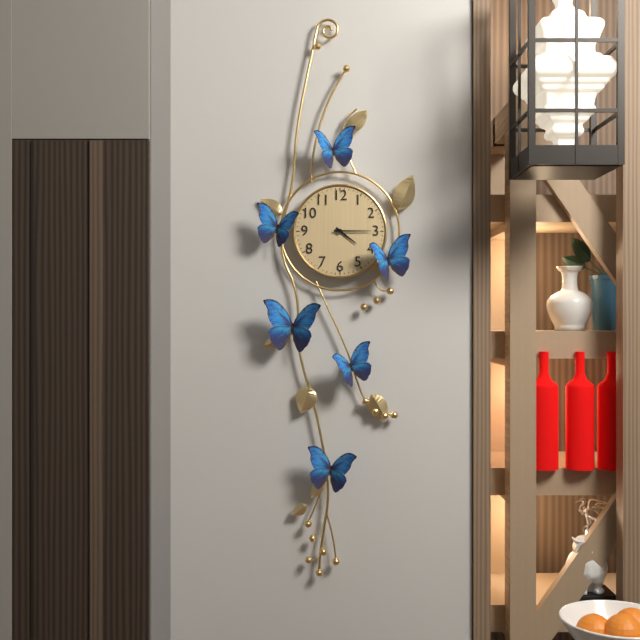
4:15
